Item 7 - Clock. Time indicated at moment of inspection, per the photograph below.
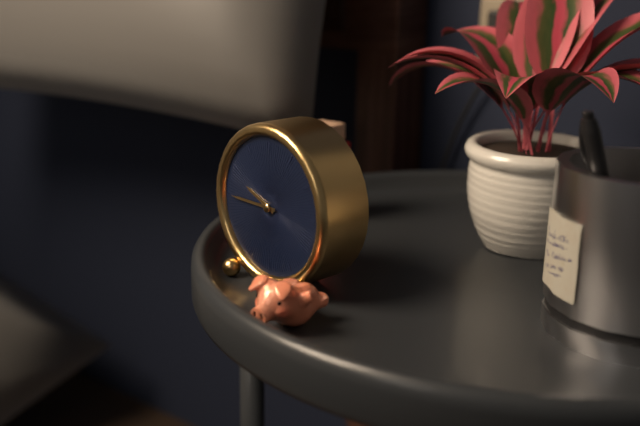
9:45
